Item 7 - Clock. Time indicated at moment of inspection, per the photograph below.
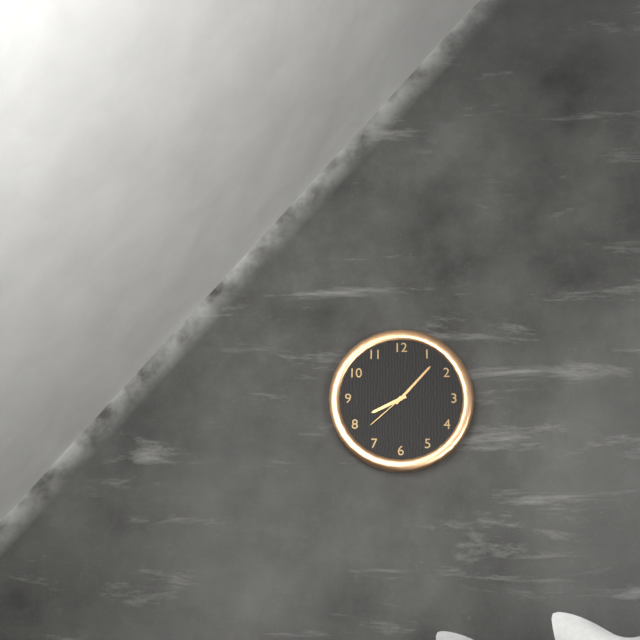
8:07:38
